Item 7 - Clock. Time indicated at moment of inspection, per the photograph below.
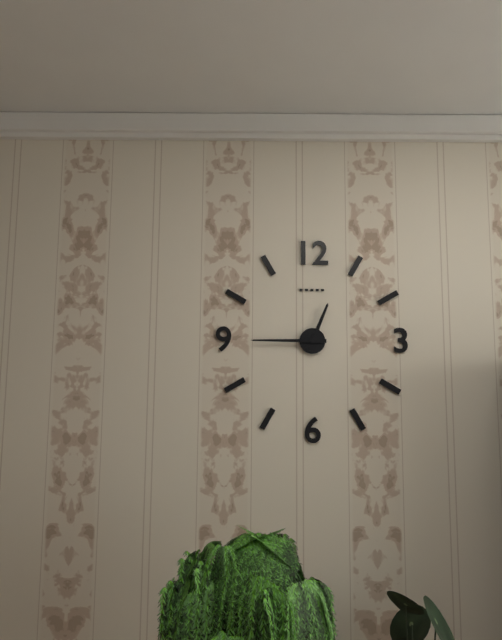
12:45
